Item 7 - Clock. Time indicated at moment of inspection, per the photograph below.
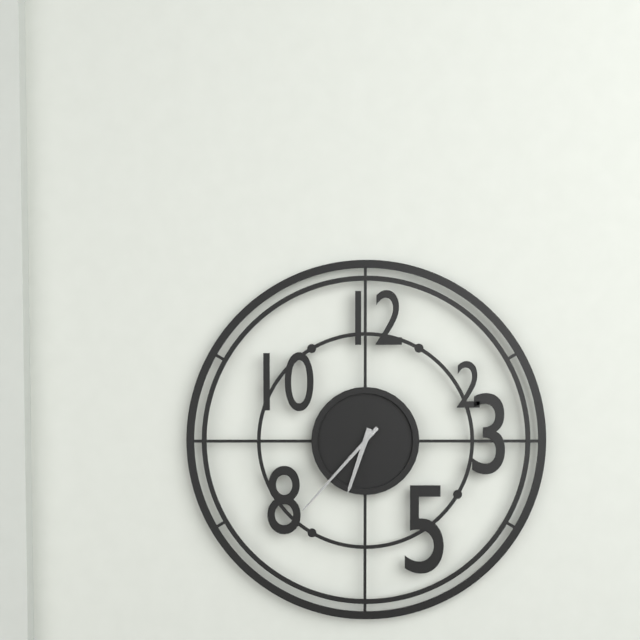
6:37
